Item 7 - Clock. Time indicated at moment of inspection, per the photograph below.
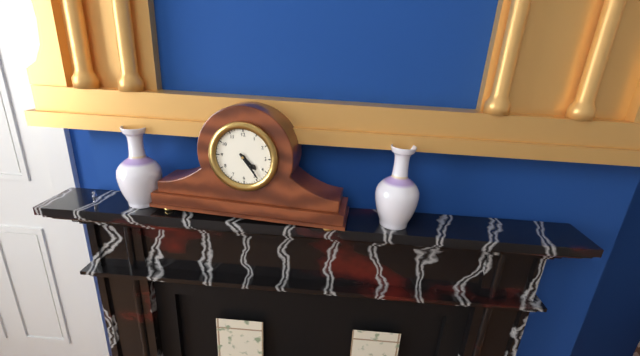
4:24
